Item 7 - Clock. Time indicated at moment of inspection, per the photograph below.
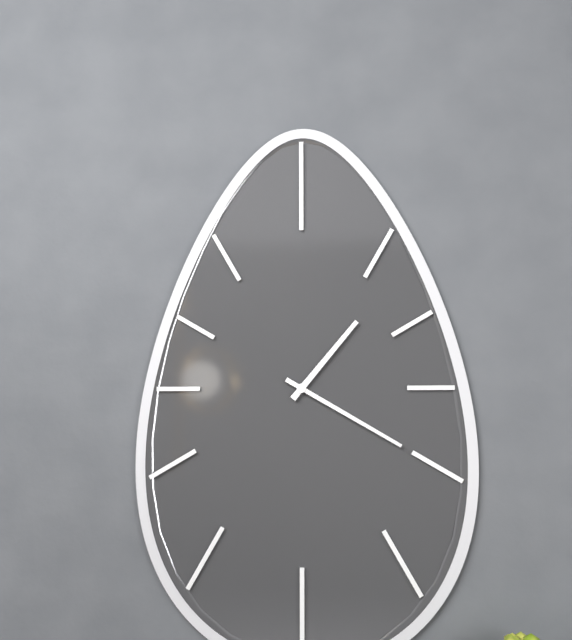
1:20
